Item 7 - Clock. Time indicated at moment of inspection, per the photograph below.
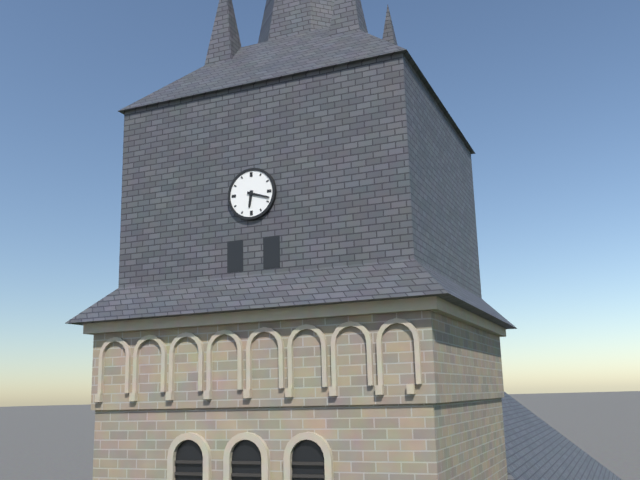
6:18
